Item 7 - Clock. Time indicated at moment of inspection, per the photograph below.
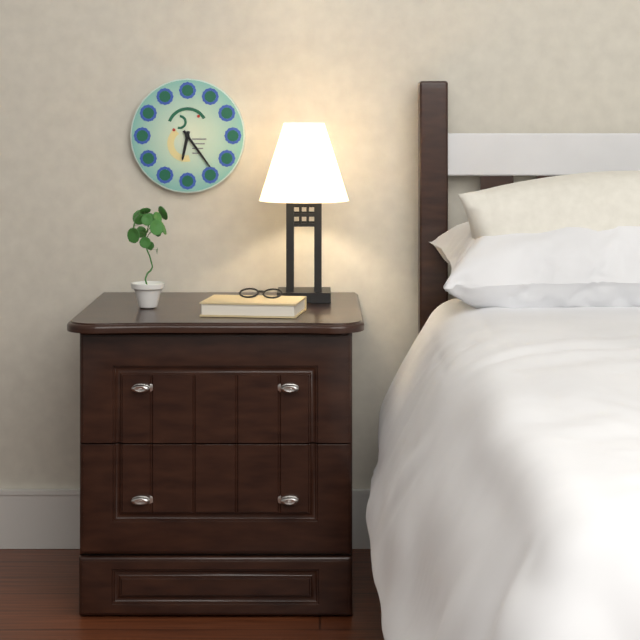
6:24
